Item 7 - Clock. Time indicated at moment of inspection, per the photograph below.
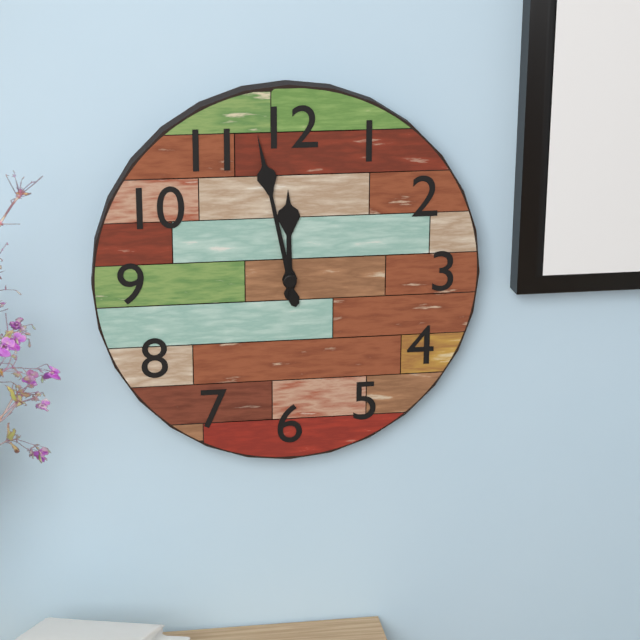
11:58
